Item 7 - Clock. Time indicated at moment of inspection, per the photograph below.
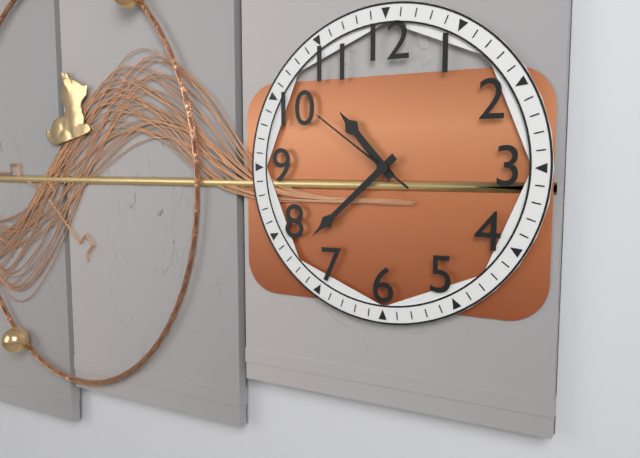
10:38:51
